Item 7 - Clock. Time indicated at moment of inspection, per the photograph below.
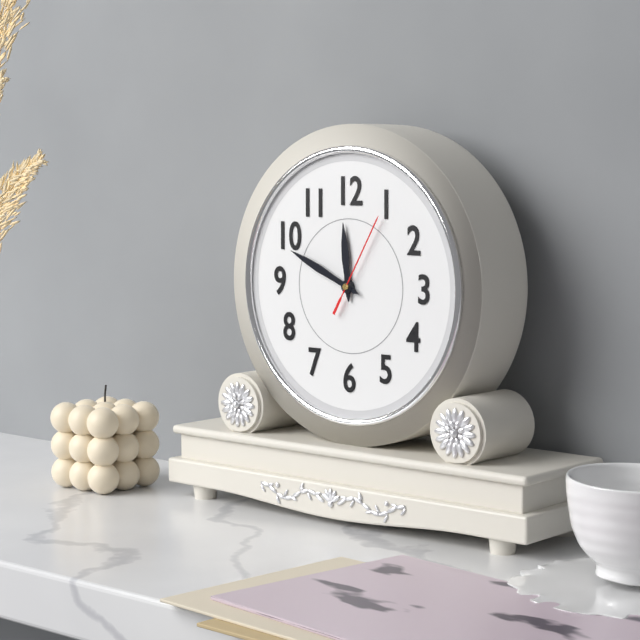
11:49:05
